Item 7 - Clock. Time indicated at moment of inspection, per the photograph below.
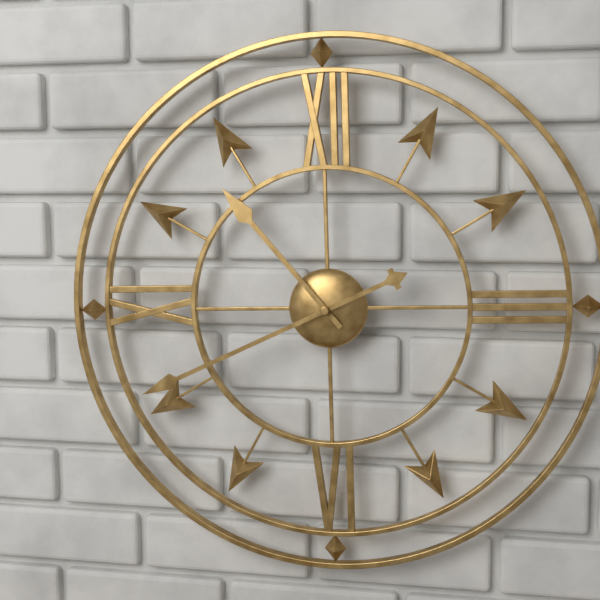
10:41
